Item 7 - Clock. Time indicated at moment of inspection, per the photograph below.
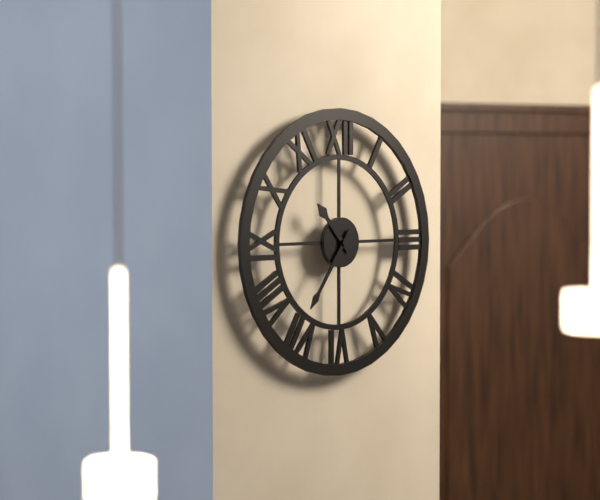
10:36
